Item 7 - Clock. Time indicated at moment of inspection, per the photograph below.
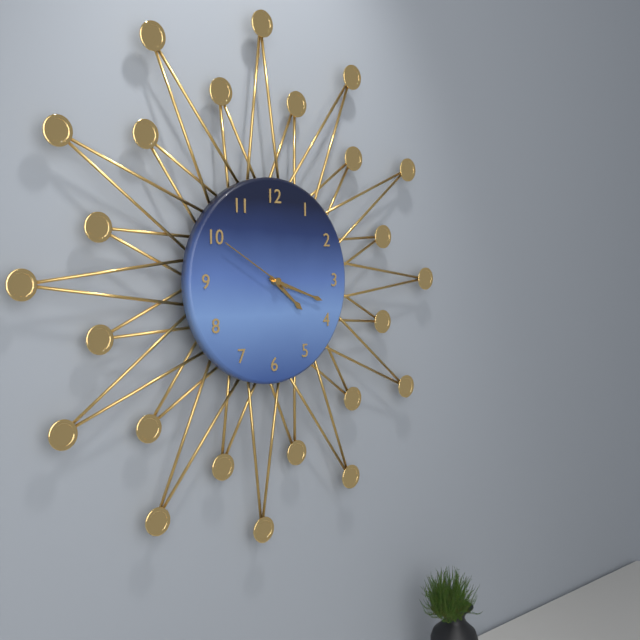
4:18:50
